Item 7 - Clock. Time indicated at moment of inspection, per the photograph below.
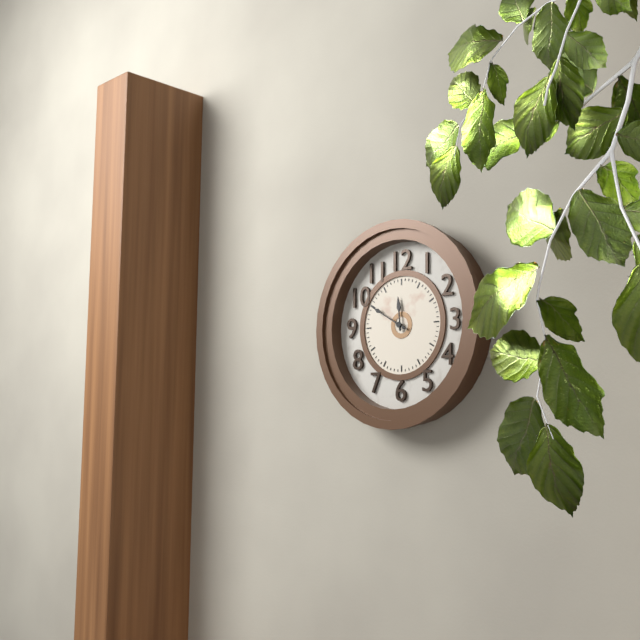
11:50
